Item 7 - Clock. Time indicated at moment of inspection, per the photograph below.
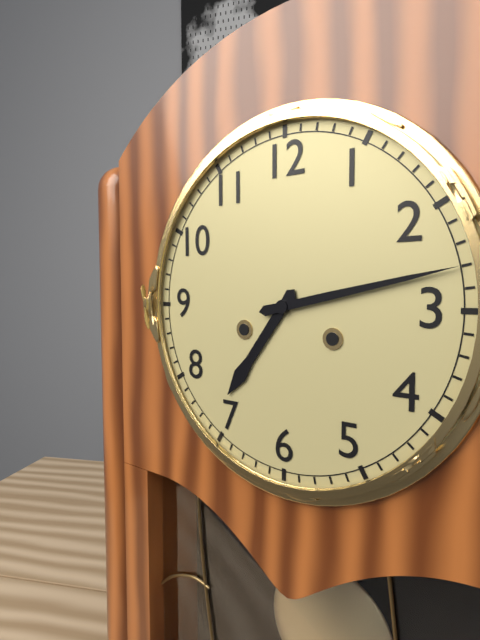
7:13
